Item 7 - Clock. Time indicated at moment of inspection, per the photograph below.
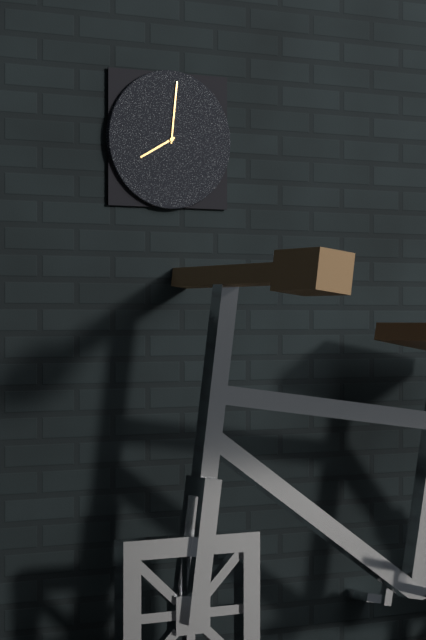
8:01
